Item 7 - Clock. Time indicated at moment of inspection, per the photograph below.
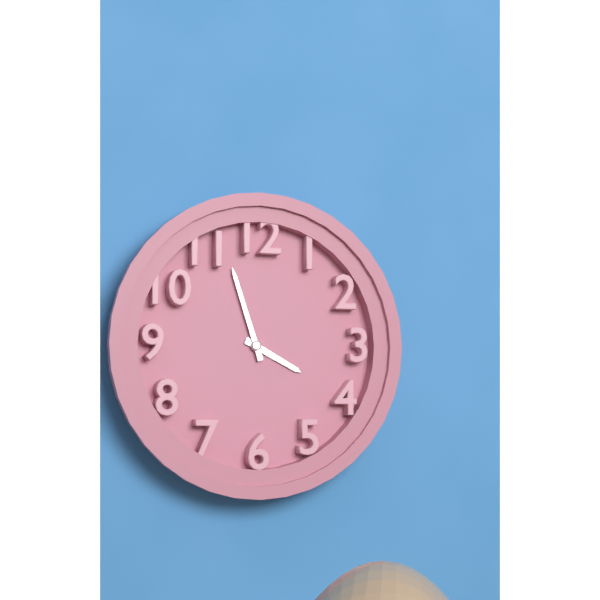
3:57
